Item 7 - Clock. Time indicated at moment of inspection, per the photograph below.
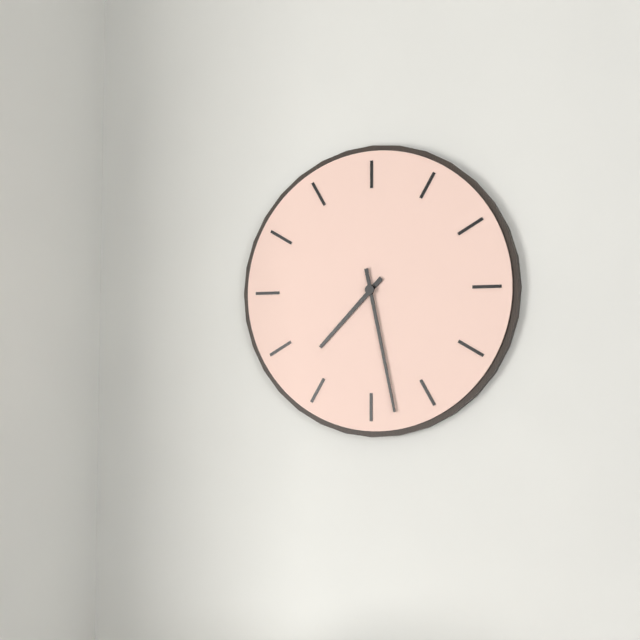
7:28
